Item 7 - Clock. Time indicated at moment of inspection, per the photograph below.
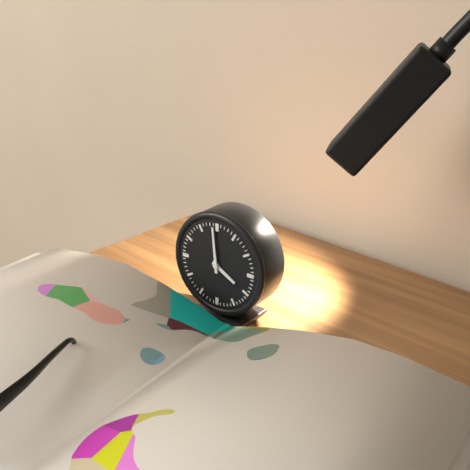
3:59
